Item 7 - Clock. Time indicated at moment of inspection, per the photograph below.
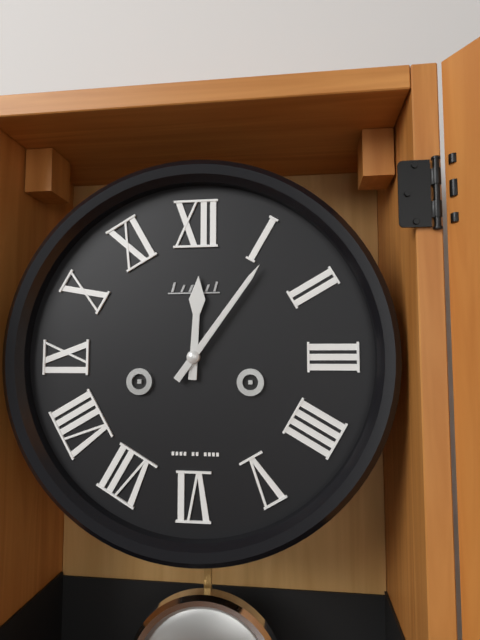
12:06
